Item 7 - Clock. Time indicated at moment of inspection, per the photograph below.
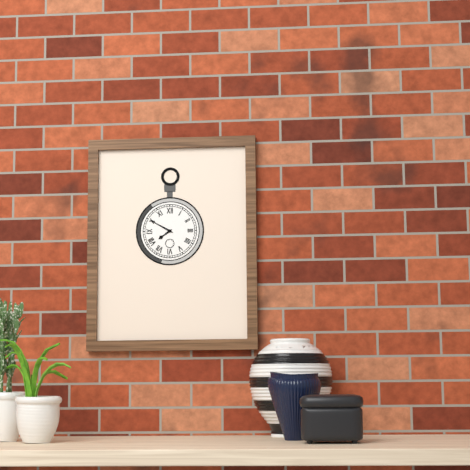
7:50
